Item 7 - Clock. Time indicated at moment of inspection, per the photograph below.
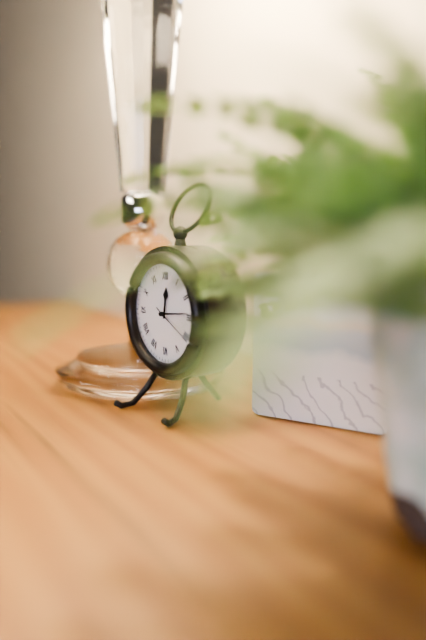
12:14
